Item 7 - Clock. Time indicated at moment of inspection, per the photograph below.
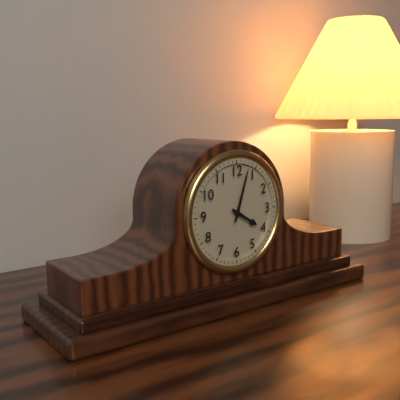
4:03
